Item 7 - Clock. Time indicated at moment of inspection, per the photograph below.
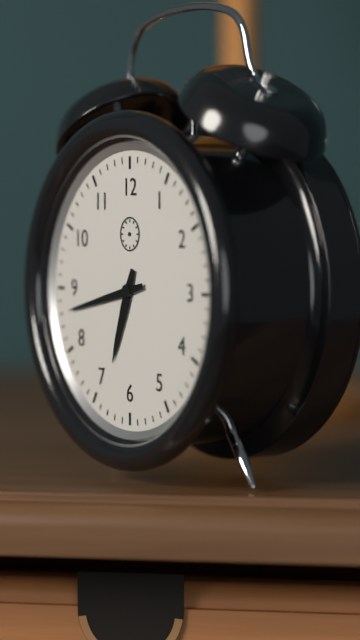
6:43
